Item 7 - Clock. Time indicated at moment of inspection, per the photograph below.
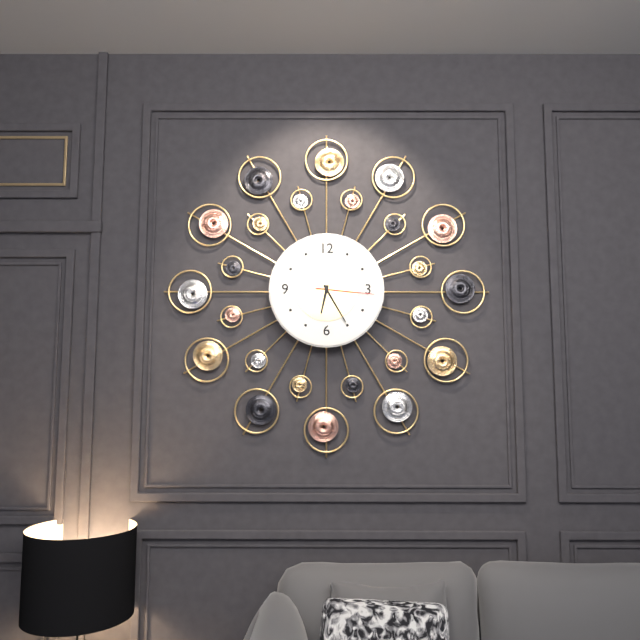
6:25:16
